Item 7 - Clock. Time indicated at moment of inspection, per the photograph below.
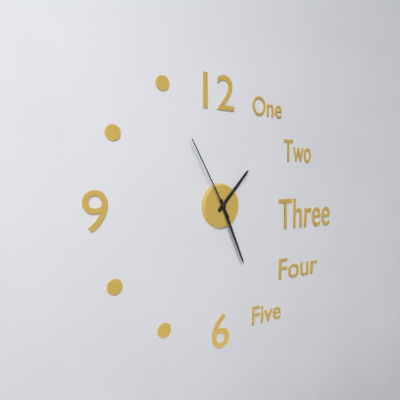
1:26:55
